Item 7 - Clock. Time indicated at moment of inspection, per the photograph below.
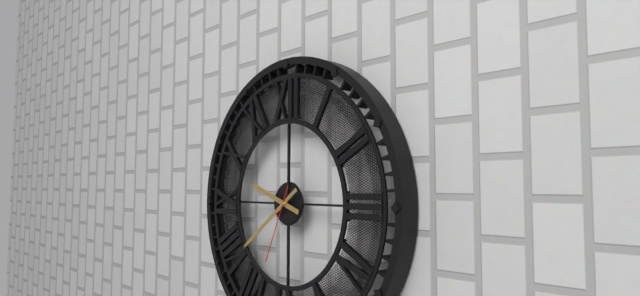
9:39:34
